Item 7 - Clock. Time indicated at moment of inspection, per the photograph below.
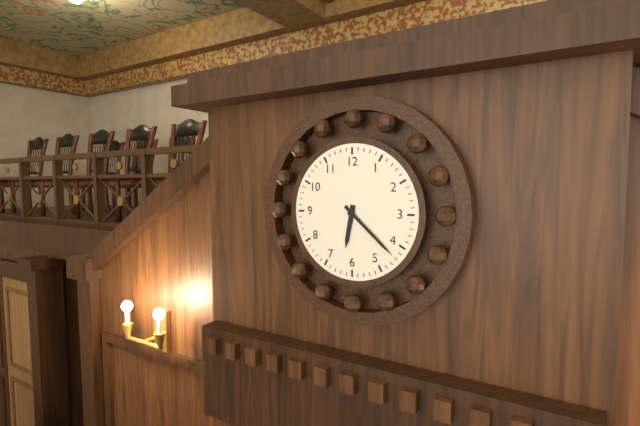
6:22
